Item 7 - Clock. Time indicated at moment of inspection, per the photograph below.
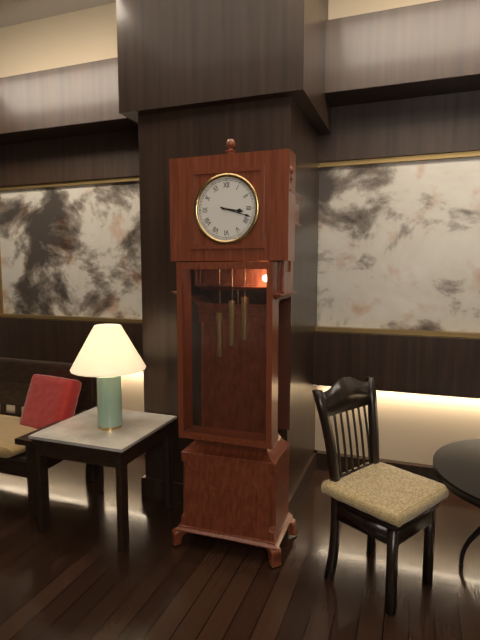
3:18
